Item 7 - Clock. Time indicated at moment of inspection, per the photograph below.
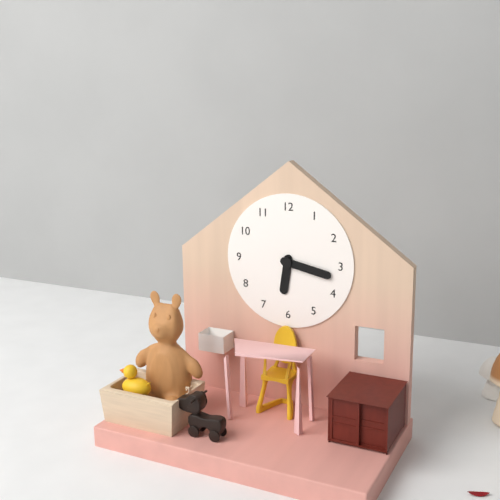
6:17
